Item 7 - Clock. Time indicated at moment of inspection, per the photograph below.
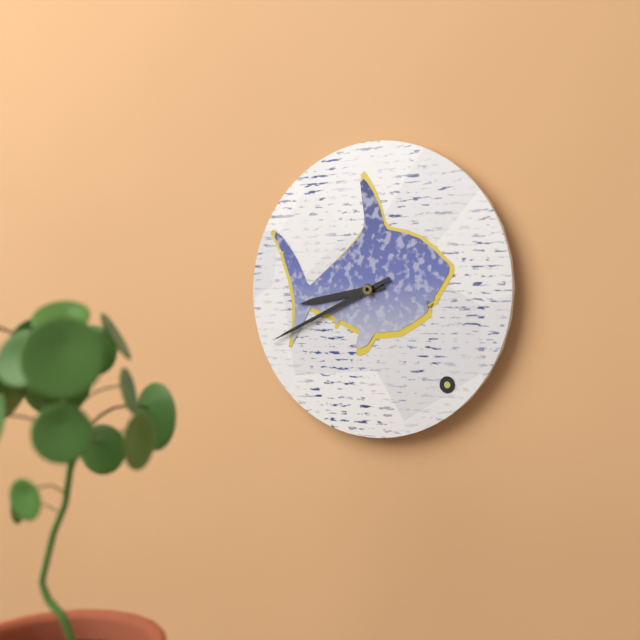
8:41
